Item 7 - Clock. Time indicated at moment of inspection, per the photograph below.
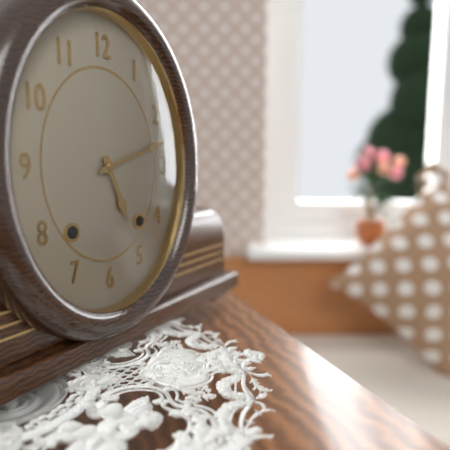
5:12
